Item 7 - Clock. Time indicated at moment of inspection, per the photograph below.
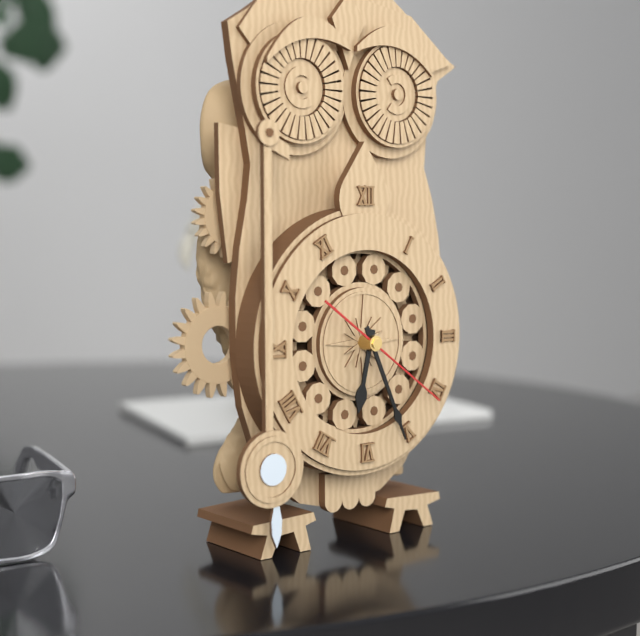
6:26:21
